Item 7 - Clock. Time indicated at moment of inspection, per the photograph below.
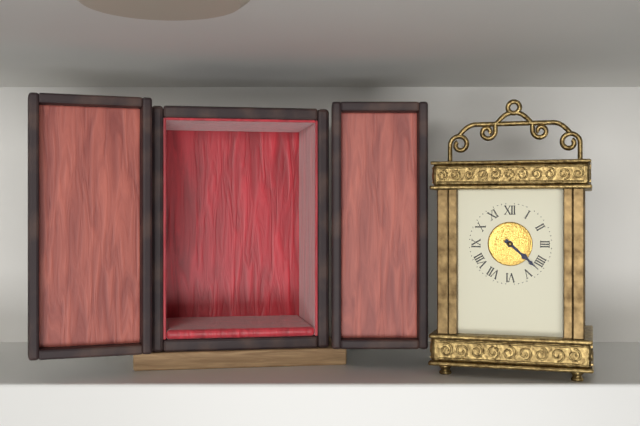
4:22
